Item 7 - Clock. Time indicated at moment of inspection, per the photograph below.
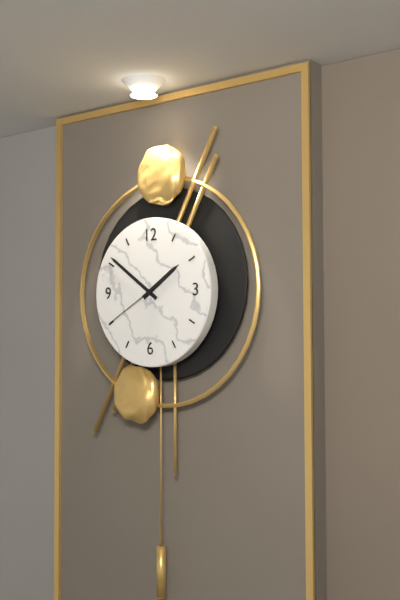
1:51:40
